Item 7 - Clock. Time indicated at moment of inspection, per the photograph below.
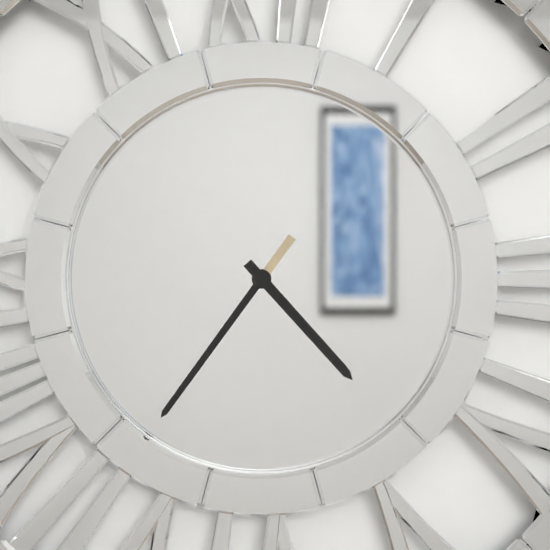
4:36
